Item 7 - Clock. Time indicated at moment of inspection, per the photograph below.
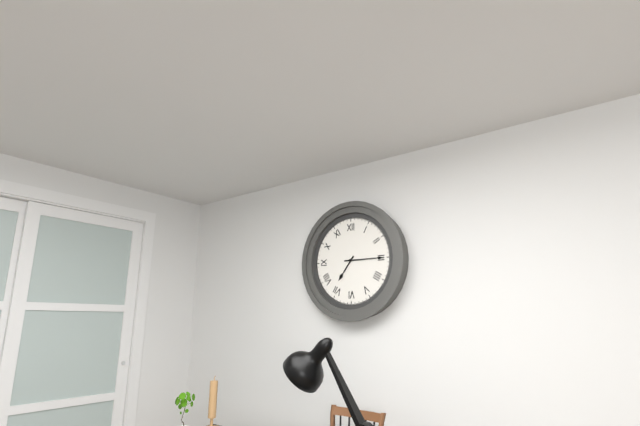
7:15
